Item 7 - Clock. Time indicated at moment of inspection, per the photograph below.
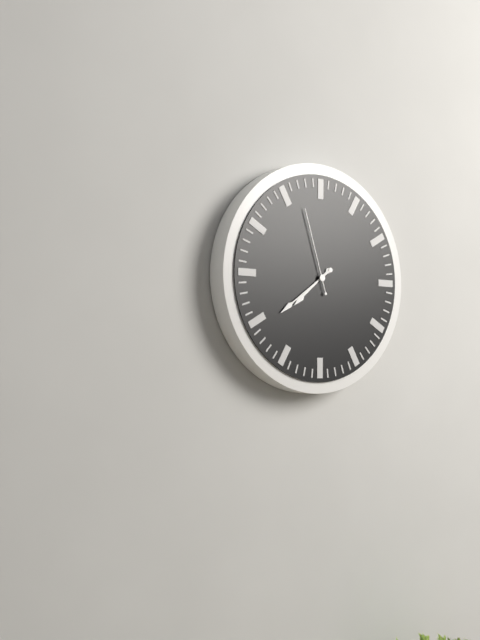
7:39:57
